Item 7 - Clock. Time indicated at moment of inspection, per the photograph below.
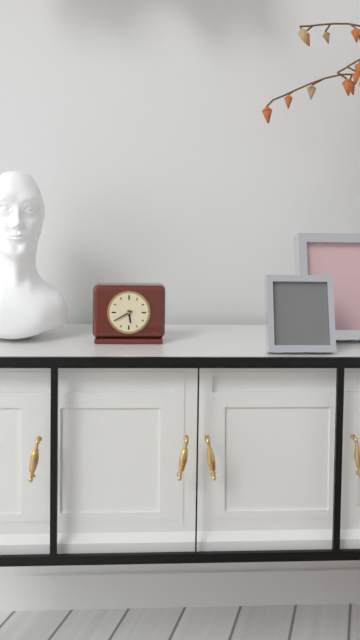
5:40
